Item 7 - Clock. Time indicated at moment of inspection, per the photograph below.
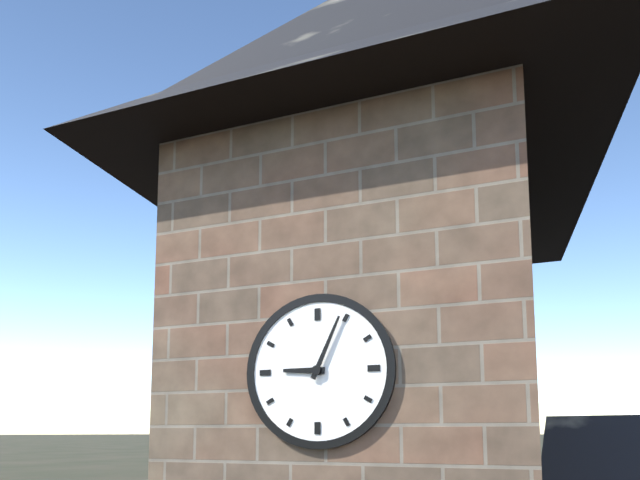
9:04
